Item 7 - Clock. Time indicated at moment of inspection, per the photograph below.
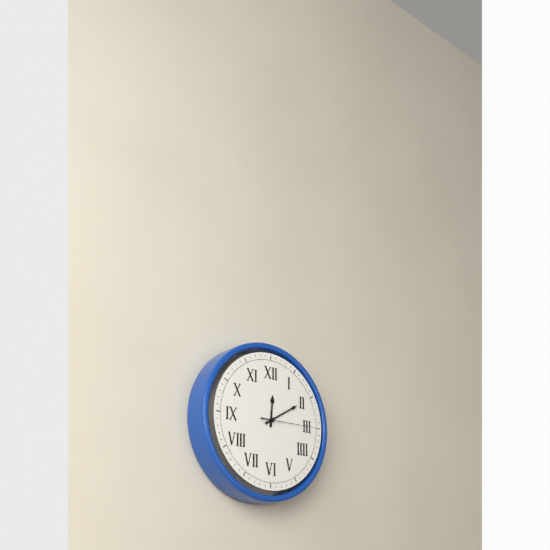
12:10:15
